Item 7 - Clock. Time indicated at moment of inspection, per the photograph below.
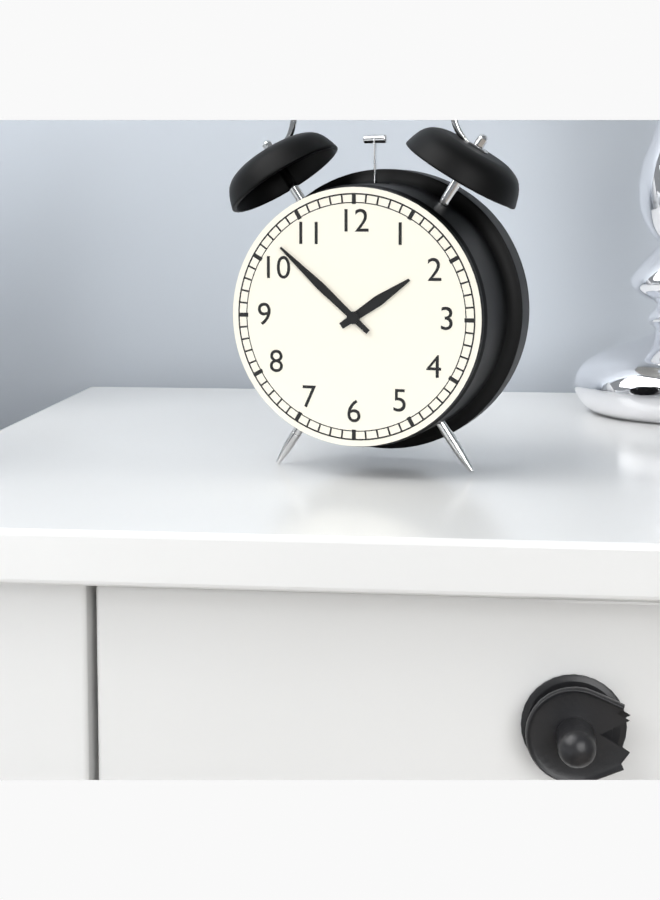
1:52
